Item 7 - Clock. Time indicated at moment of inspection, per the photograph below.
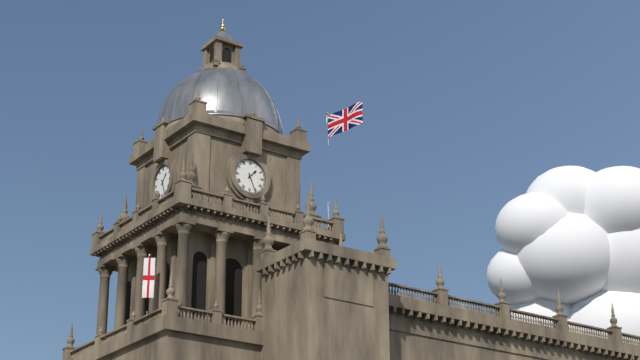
1:26
